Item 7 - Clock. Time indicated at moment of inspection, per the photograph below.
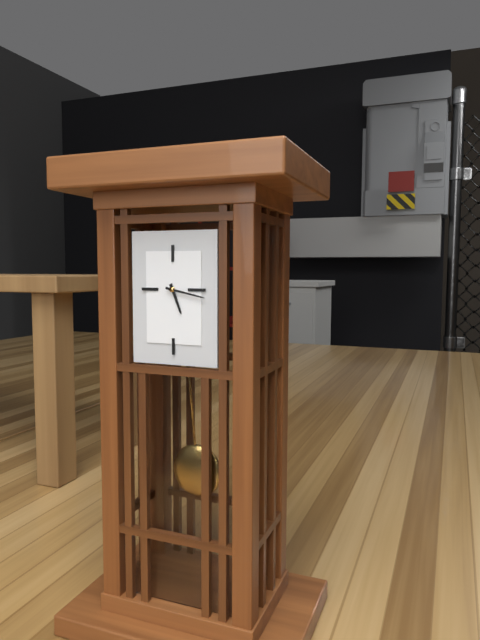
5:17
